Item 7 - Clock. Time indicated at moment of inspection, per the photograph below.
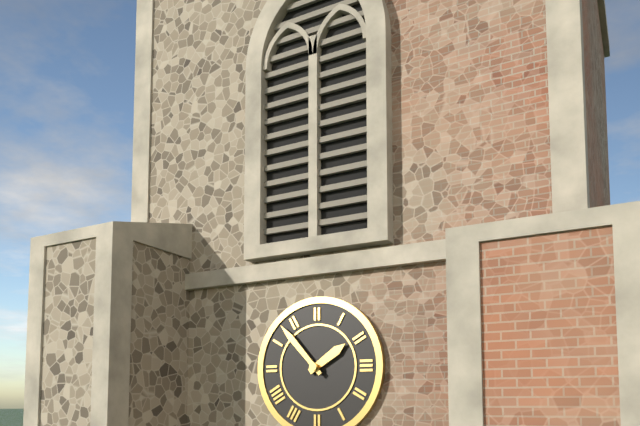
1:53
